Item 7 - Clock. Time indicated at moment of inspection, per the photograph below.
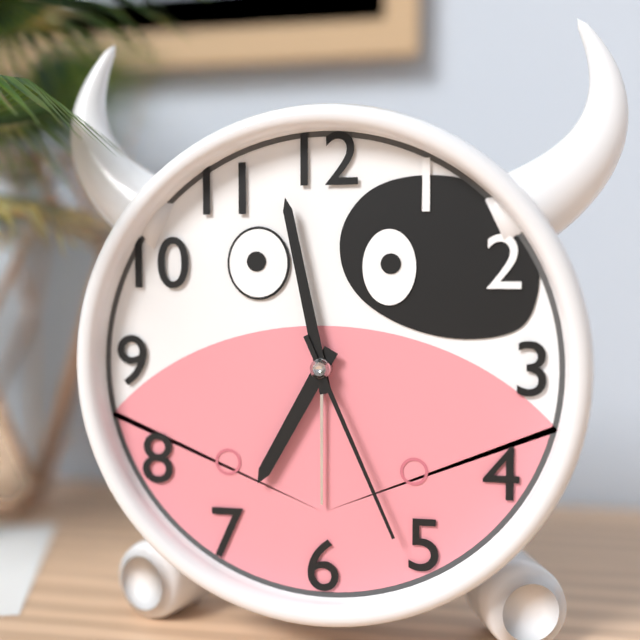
6:58:26
